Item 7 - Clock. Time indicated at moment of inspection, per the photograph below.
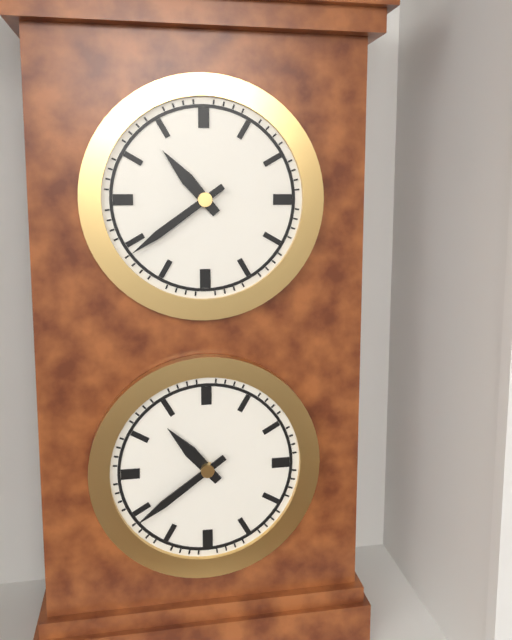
10:39
